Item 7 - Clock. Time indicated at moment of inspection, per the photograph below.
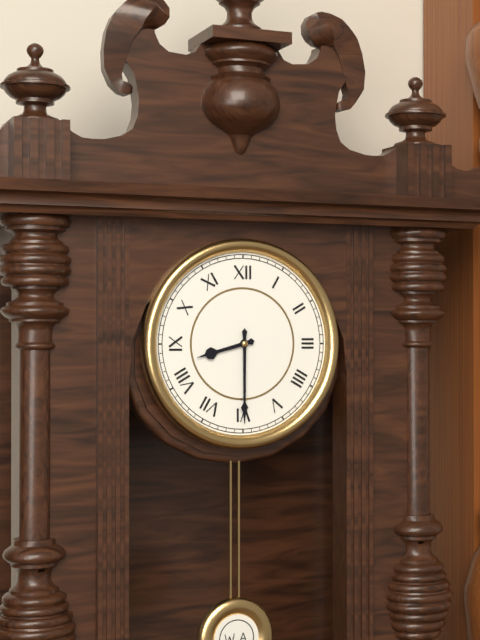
8:30
